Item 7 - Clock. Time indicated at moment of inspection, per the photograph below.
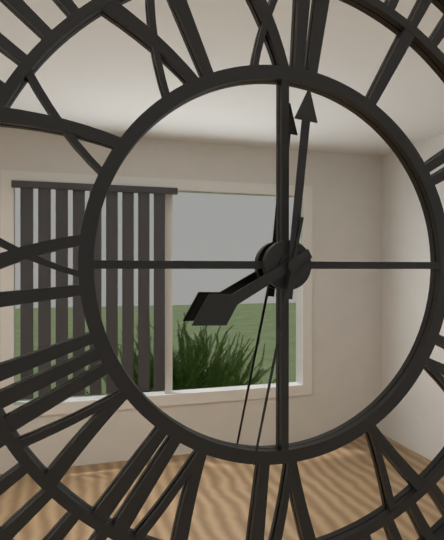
8:01:32
